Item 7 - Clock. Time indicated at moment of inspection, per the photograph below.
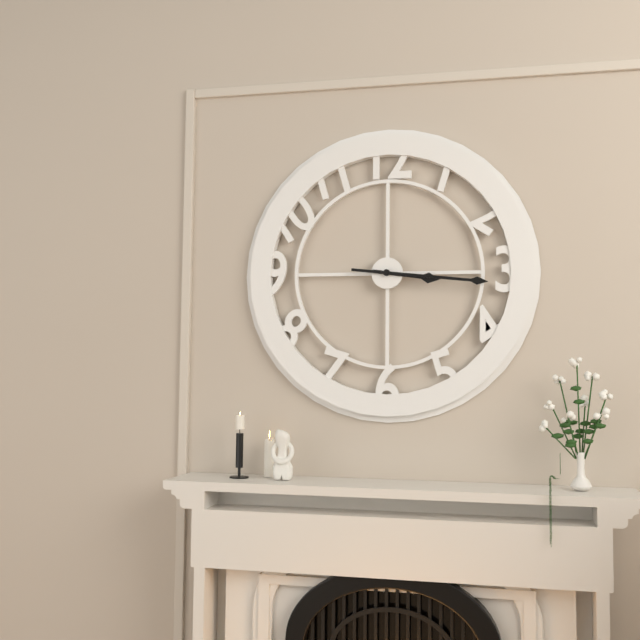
3:16
